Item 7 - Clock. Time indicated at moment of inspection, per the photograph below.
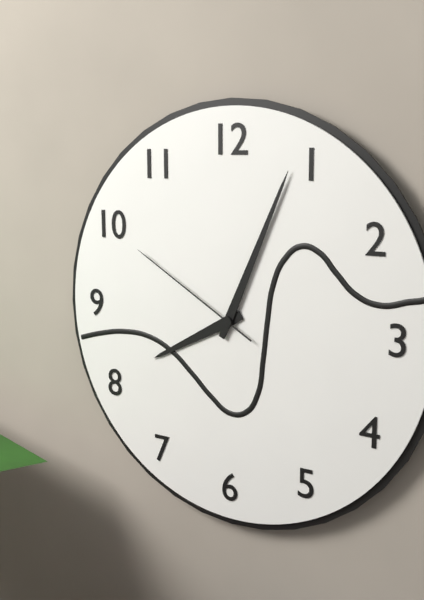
8:04:50
